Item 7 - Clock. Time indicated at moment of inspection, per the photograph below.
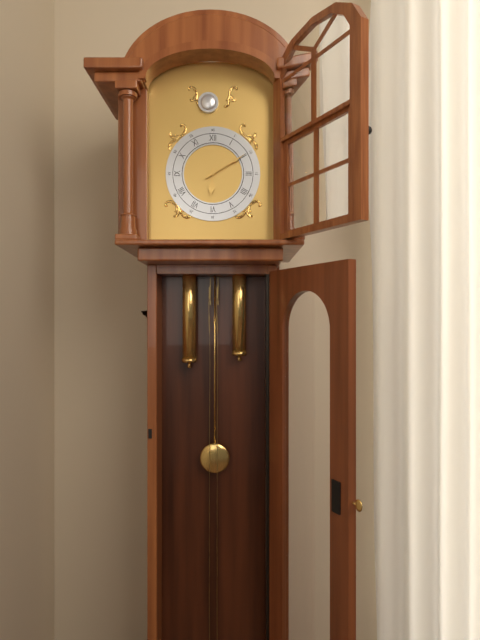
6:10
